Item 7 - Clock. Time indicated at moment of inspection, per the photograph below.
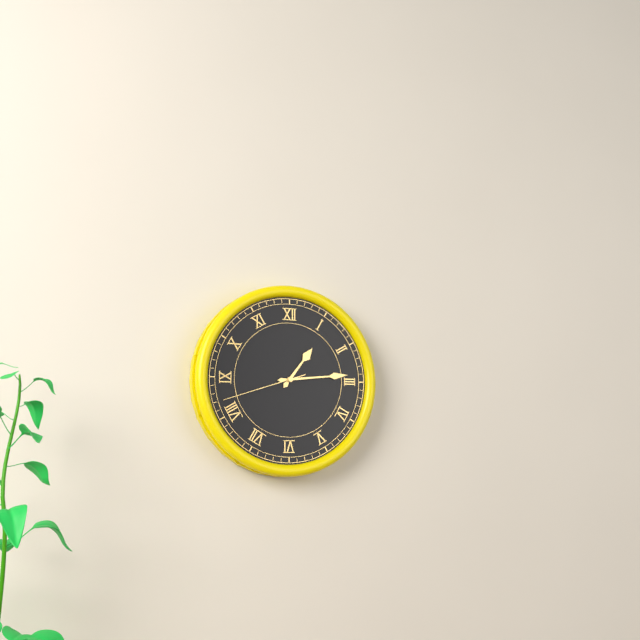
1:14:42
